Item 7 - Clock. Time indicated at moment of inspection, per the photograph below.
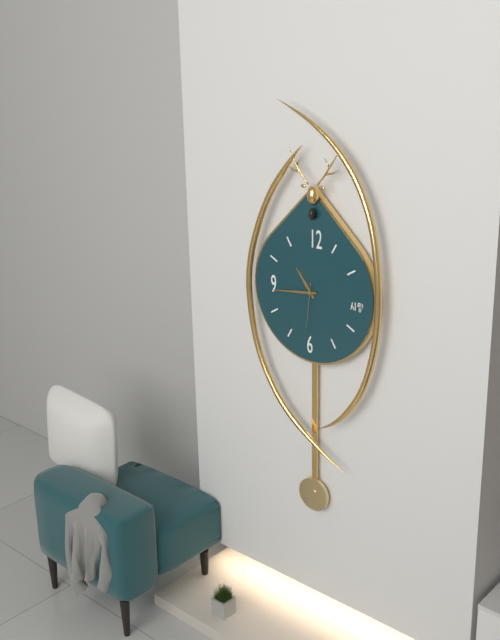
10:44
